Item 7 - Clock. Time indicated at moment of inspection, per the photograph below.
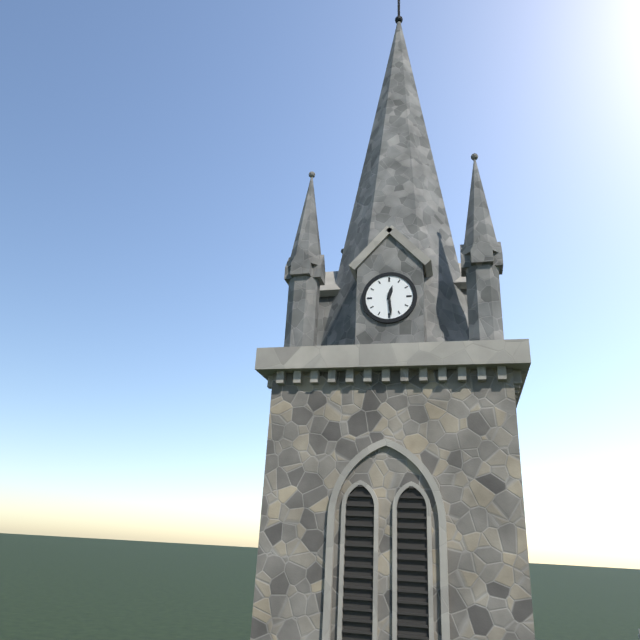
12:29
